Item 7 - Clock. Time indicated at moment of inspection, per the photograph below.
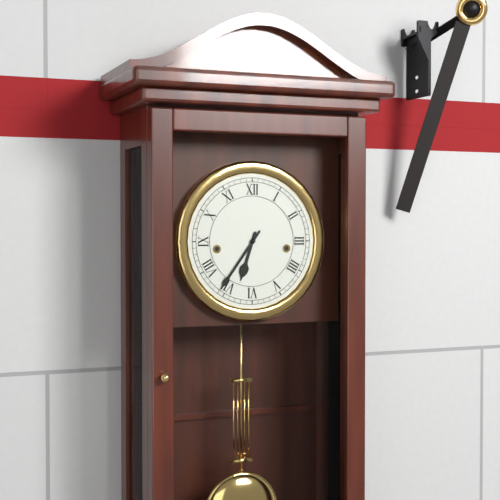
6:36
